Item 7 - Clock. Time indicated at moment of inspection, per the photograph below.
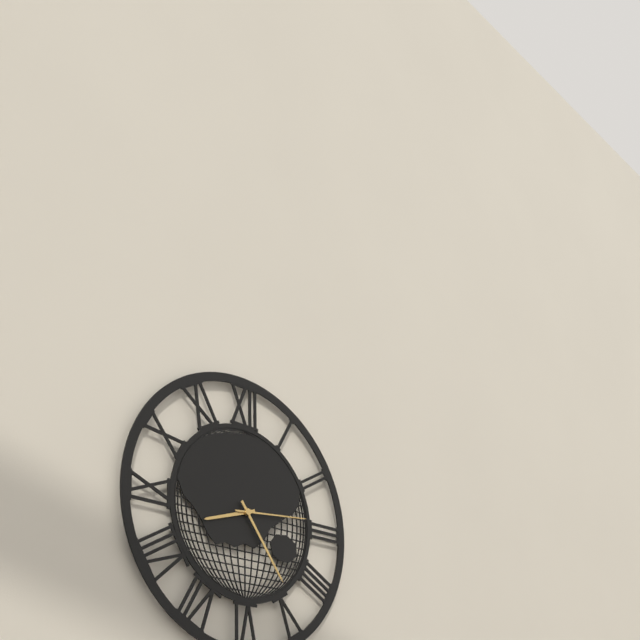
8:24:14
